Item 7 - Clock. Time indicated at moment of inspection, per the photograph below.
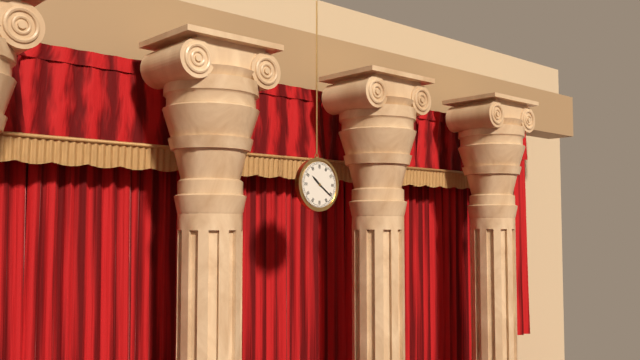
10:21
